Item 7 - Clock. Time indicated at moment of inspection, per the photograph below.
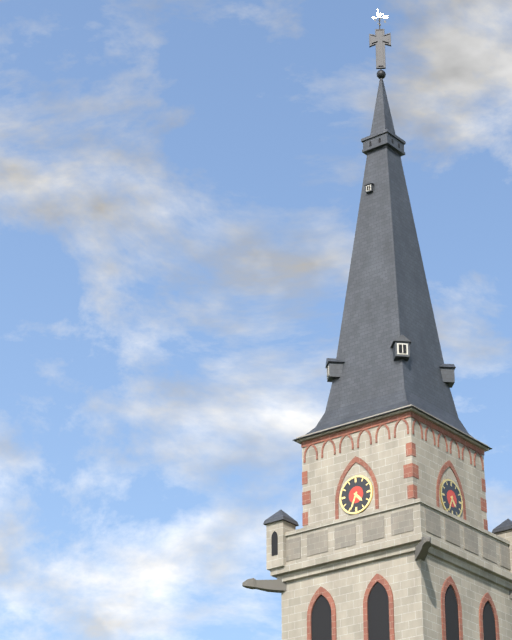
4:34
